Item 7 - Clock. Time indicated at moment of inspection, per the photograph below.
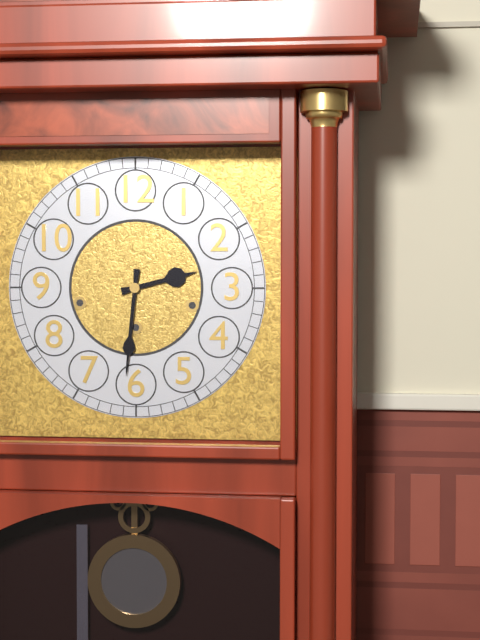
2:31
